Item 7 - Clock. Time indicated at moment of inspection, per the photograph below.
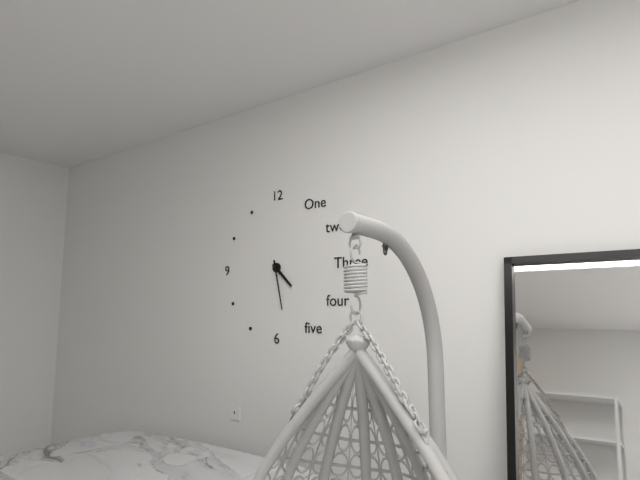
4:28
